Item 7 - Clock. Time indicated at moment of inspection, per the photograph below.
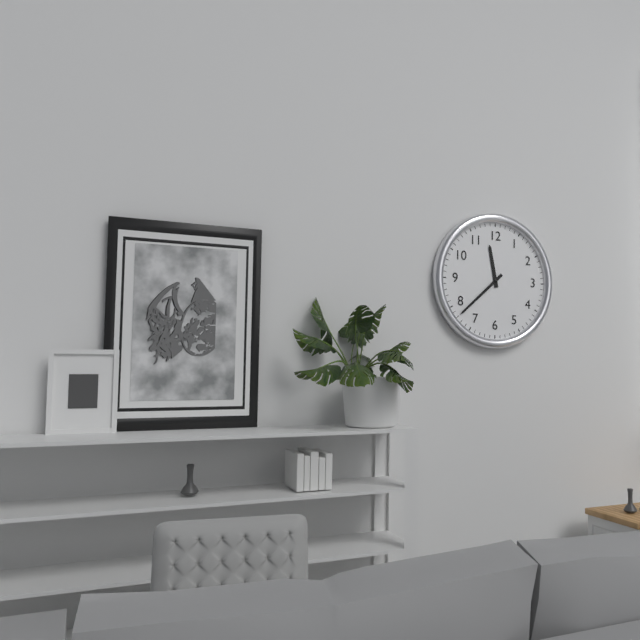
11:38
